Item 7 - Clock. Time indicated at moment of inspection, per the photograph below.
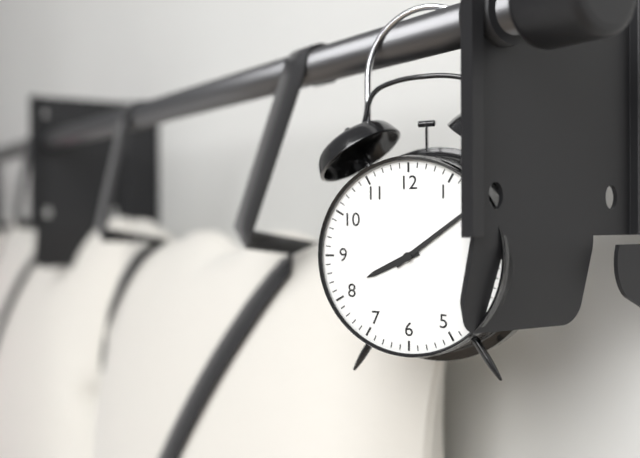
8:09
